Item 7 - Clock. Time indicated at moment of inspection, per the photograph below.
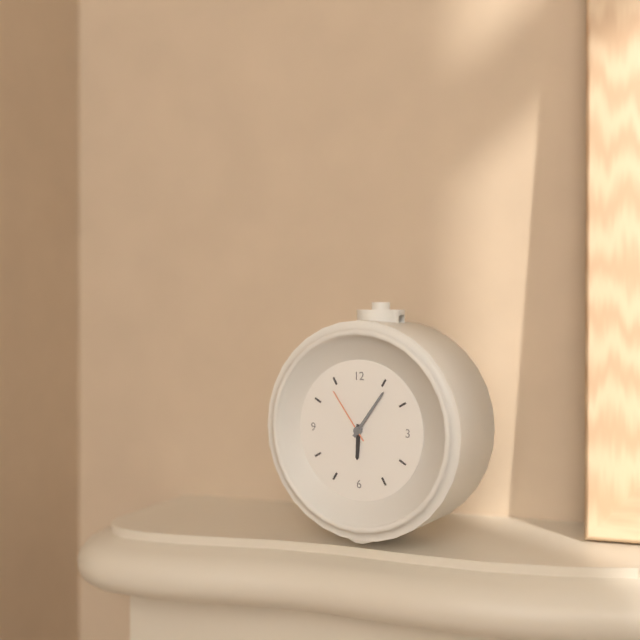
6:06:54
